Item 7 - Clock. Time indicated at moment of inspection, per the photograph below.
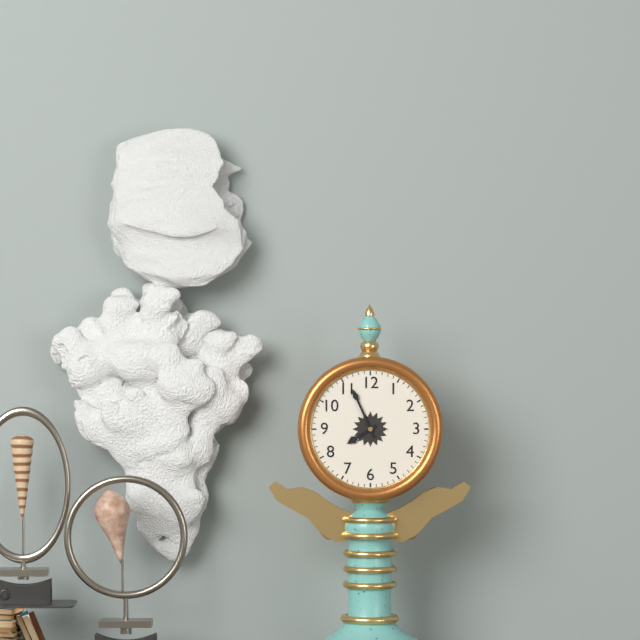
7:56
